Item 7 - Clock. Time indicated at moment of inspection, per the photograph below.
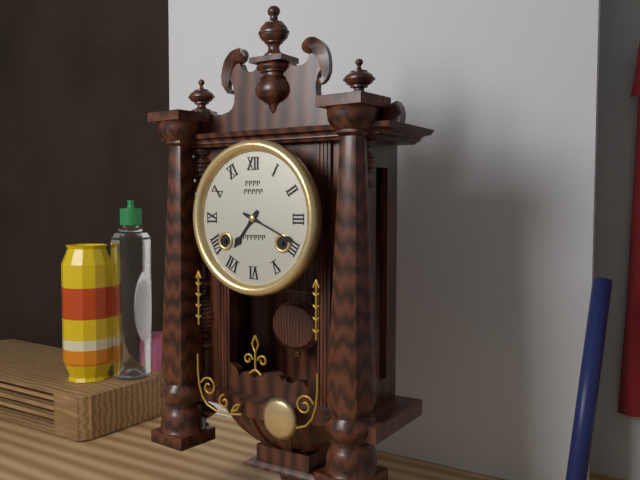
7:19
